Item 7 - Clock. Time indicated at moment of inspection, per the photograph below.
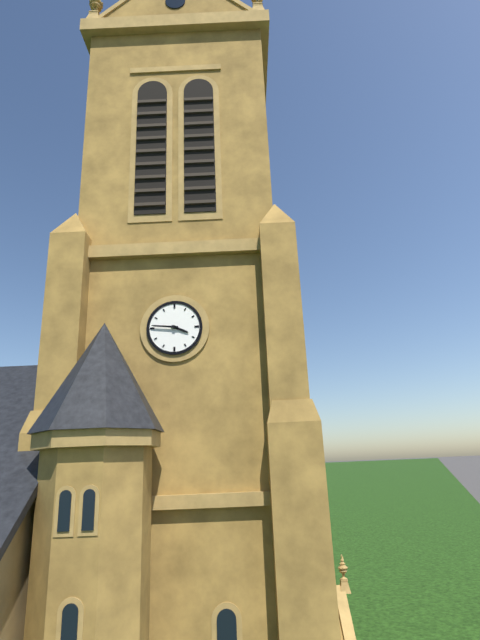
3:46
